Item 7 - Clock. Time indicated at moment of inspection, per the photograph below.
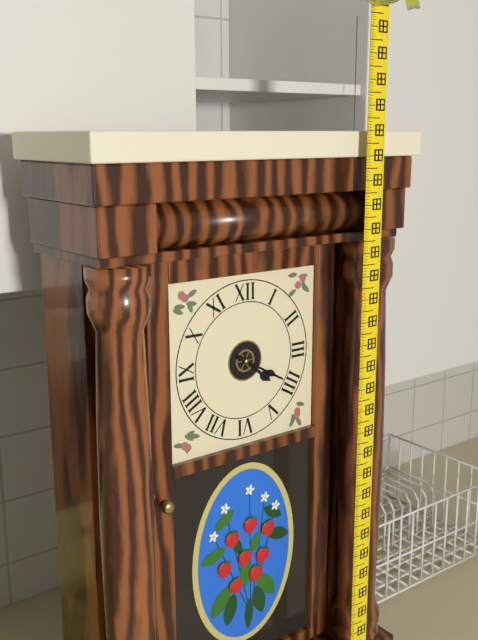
4:20
